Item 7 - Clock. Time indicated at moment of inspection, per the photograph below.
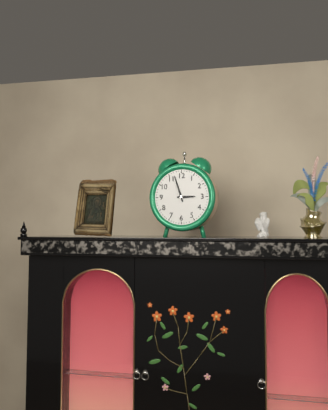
2:57
